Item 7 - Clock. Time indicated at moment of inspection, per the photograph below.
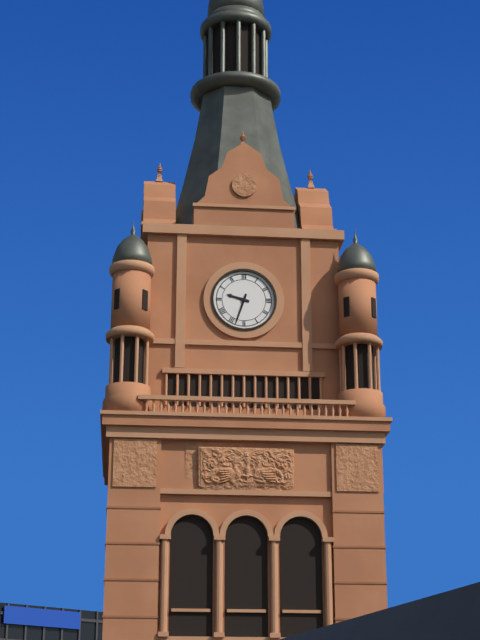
9:33
